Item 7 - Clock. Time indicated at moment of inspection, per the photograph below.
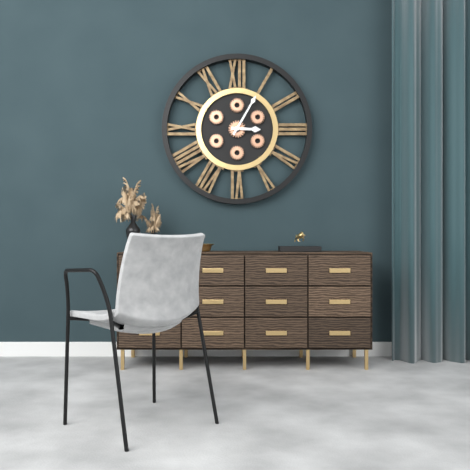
3:05
